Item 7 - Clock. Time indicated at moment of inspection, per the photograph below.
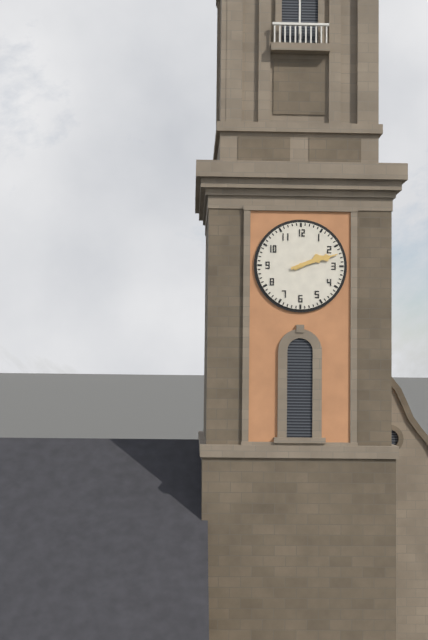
2:12
